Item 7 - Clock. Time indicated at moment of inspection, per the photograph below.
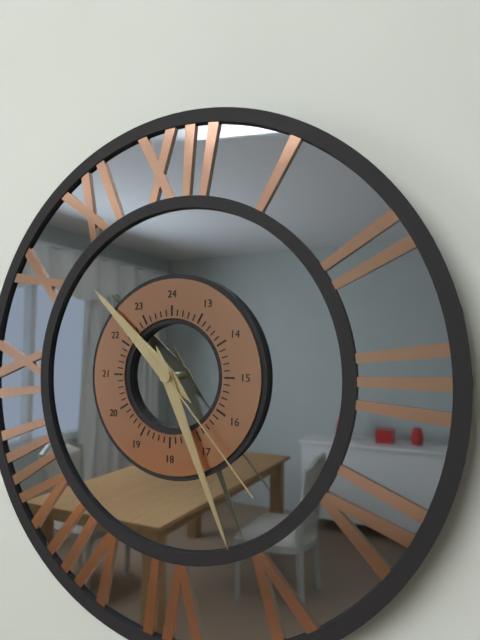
10:26:23
